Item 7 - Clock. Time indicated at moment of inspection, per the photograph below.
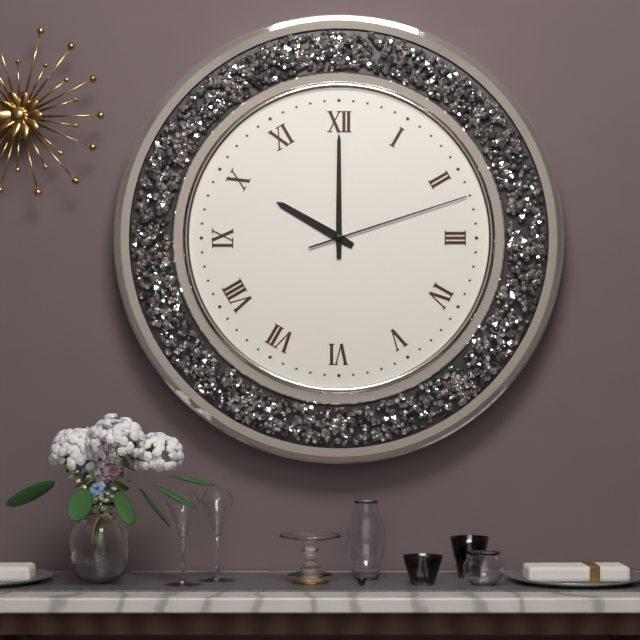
10:00:12
